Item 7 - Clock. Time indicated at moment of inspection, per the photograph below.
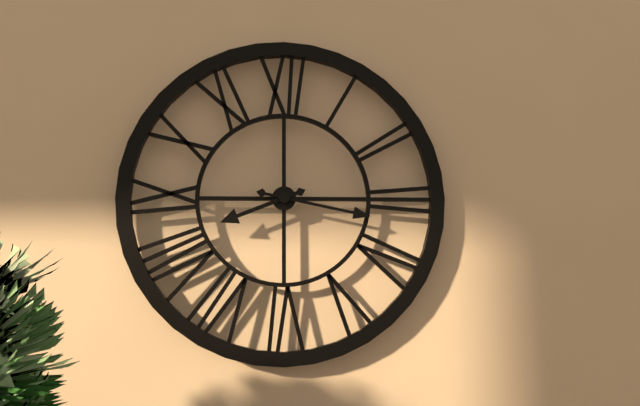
8:17
